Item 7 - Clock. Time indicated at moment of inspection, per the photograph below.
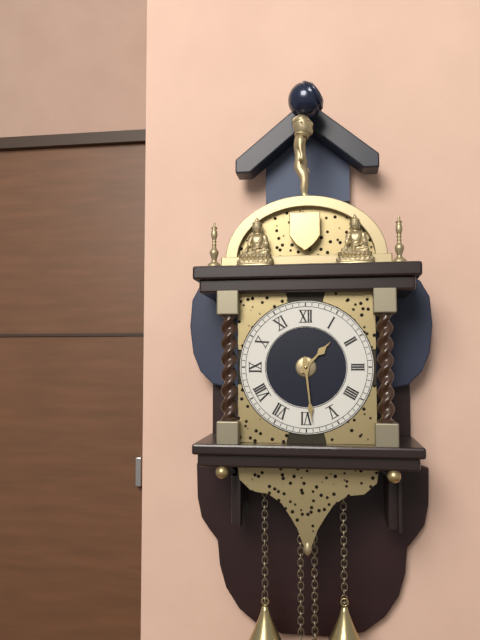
1:29
